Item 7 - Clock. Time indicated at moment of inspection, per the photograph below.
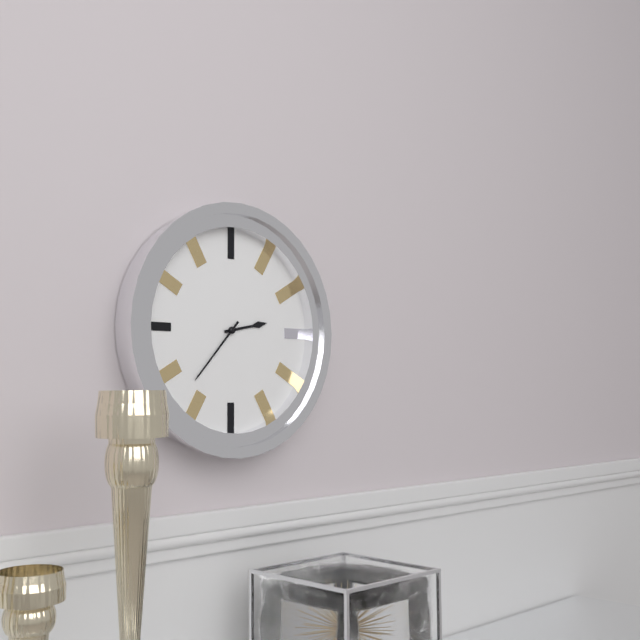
2:37
